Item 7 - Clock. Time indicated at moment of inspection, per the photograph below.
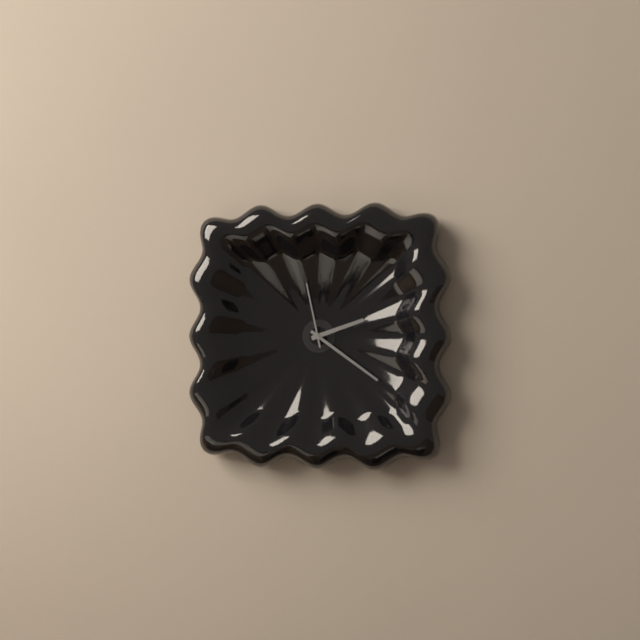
2:21:58
